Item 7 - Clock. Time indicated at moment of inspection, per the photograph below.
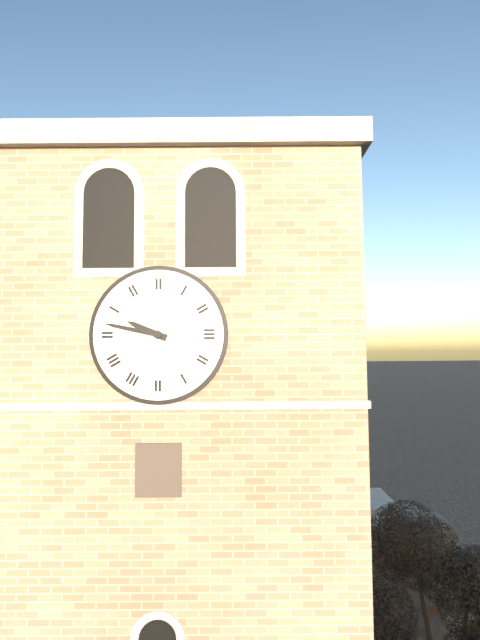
9:47
